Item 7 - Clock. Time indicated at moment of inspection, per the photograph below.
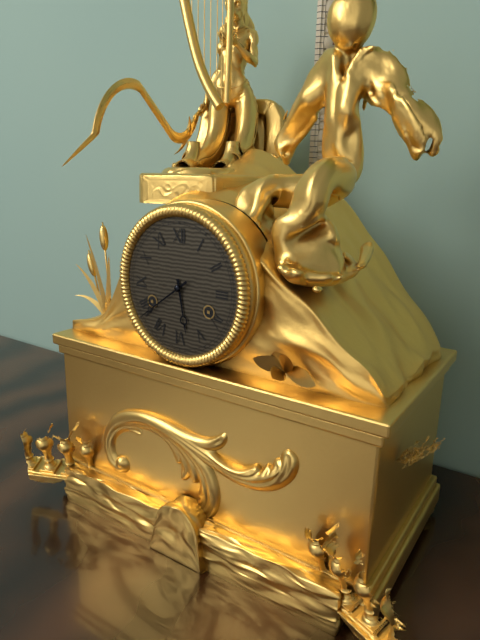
5:39
